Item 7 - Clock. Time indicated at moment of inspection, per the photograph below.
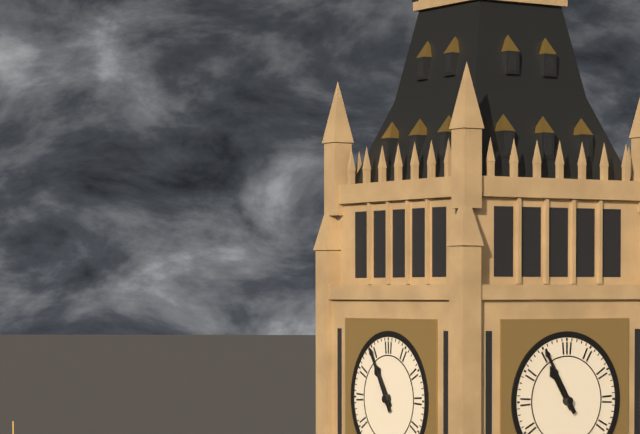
10:55
